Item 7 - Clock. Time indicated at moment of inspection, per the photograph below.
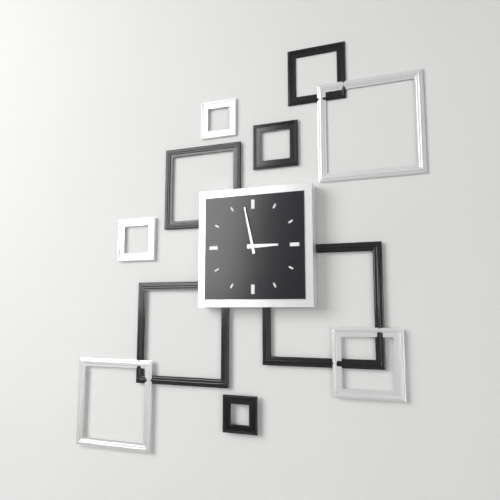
2:58
